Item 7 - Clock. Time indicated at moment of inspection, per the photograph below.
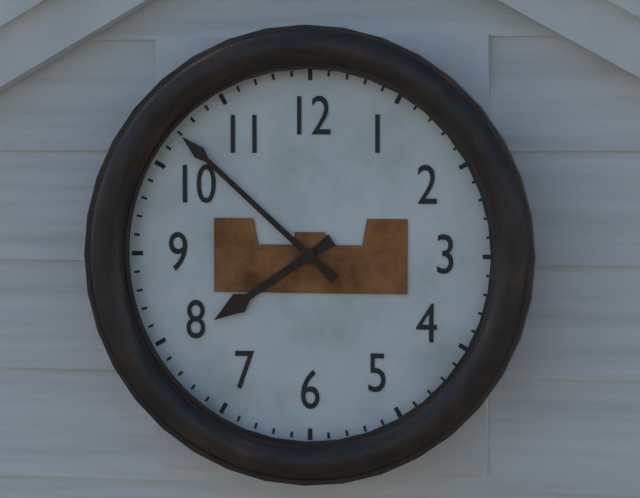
7:52
